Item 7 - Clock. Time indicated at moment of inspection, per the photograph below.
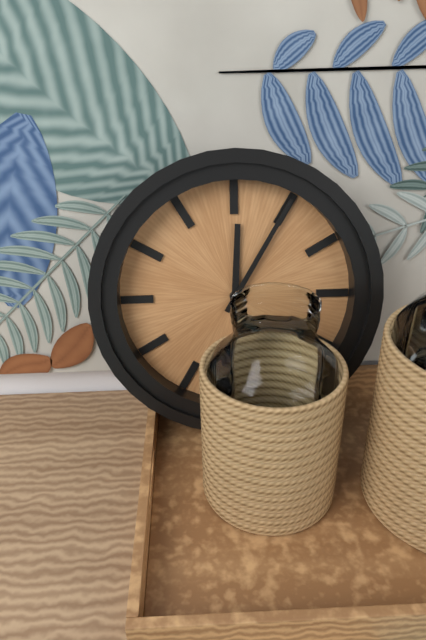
12:05
